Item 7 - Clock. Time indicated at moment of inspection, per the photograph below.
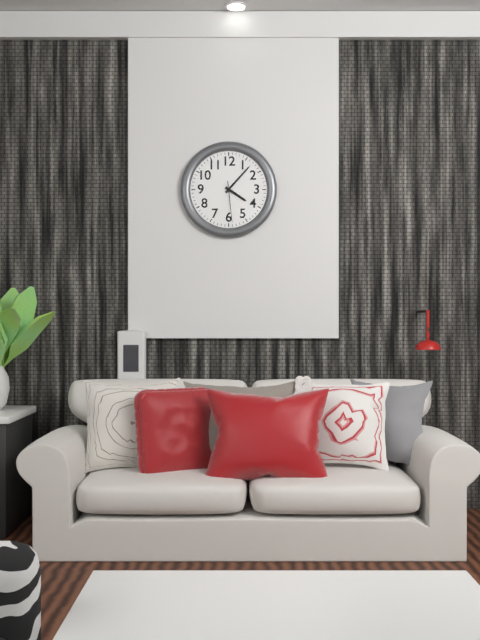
4:07
